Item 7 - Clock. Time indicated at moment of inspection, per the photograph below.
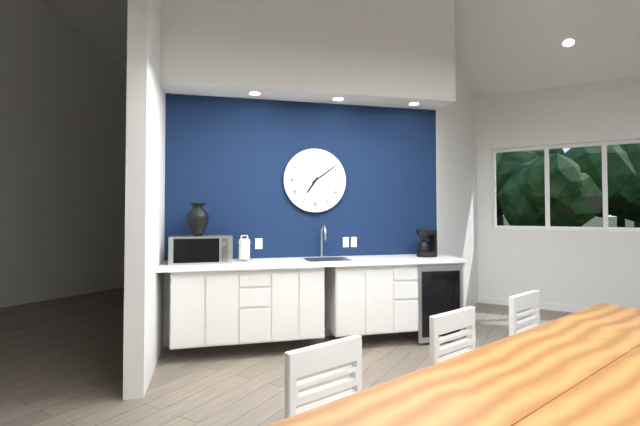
7:09
